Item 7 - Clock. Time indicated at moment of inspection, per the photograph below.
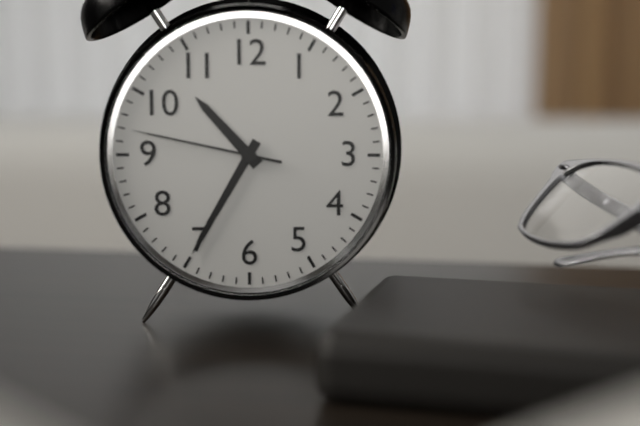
10:35:47
